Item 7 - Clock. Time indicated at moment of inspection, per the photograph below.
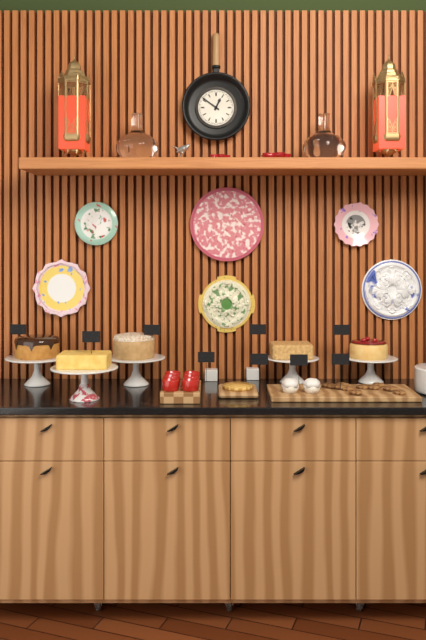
12:51
